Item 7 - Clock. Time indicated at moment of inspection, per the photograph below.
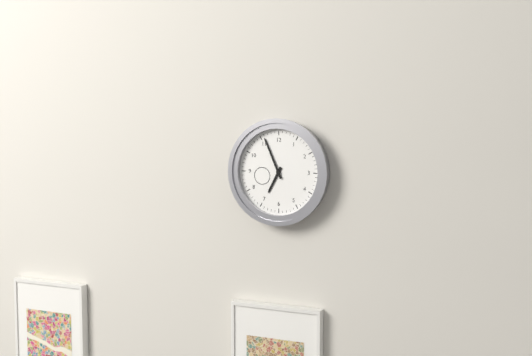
6:56
